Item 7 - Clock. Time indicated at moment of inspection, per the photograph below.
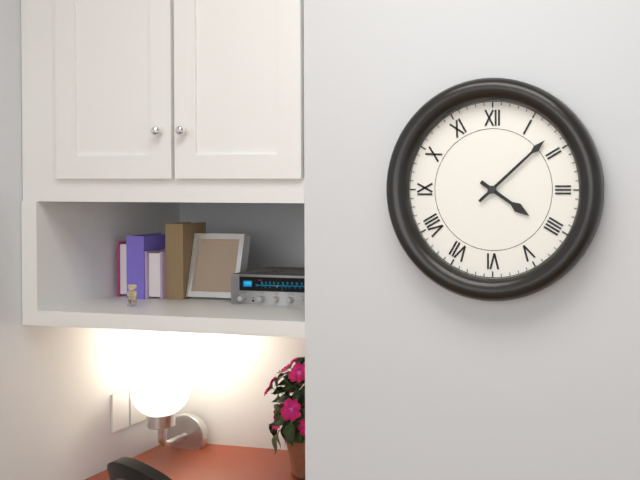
4:08
